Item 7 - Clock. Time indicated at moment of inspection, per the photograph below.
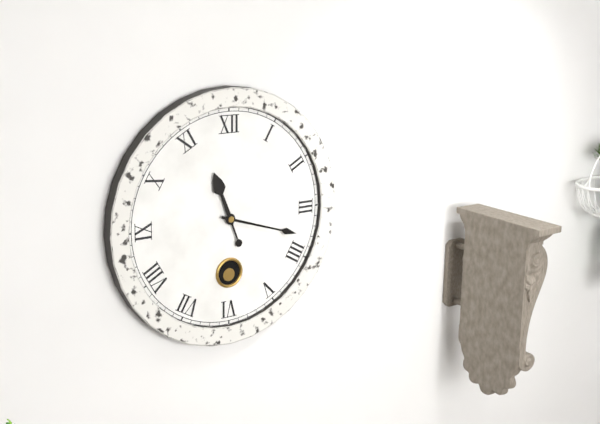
11:18
